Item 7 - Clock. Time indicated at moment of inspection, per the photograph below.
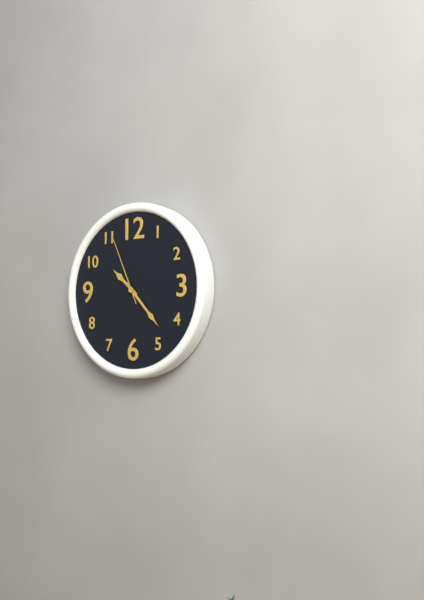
10:23:56
